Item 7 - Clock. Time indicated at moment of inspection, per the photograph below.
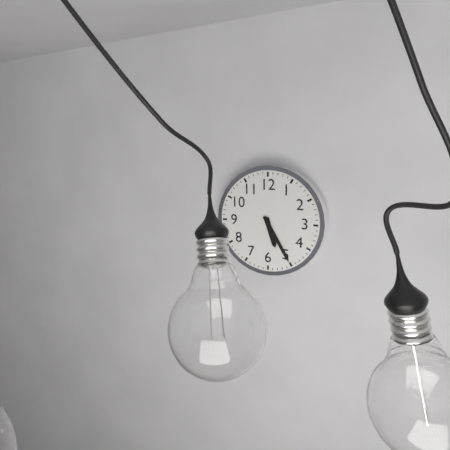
5:25
